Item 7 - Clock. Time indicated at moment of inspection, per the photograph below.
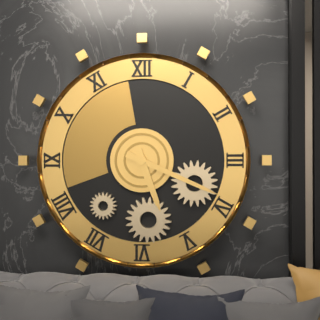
5:19
